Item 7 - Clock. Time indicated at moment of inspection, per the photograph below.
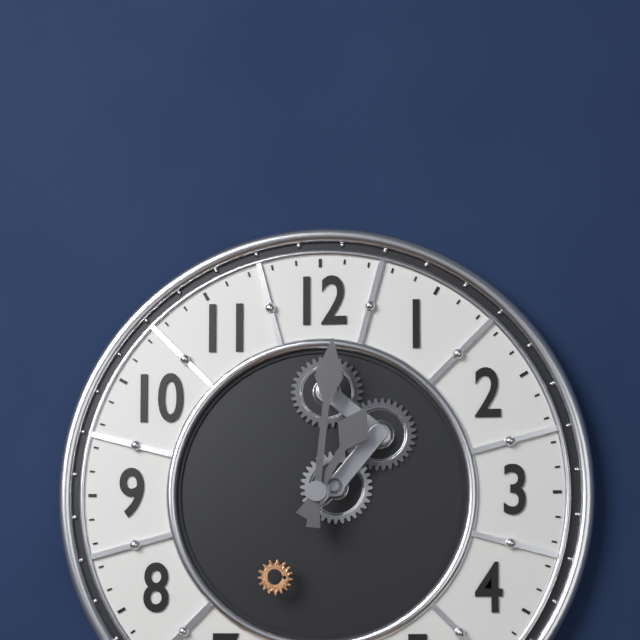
1:01
